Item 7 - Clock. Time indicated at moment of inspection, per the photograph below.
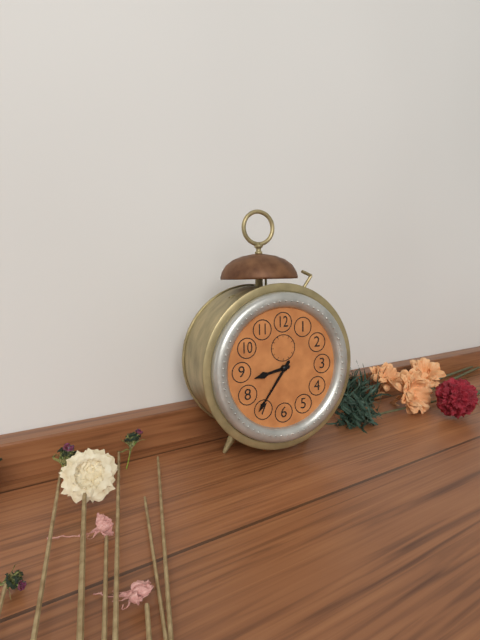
8:36
